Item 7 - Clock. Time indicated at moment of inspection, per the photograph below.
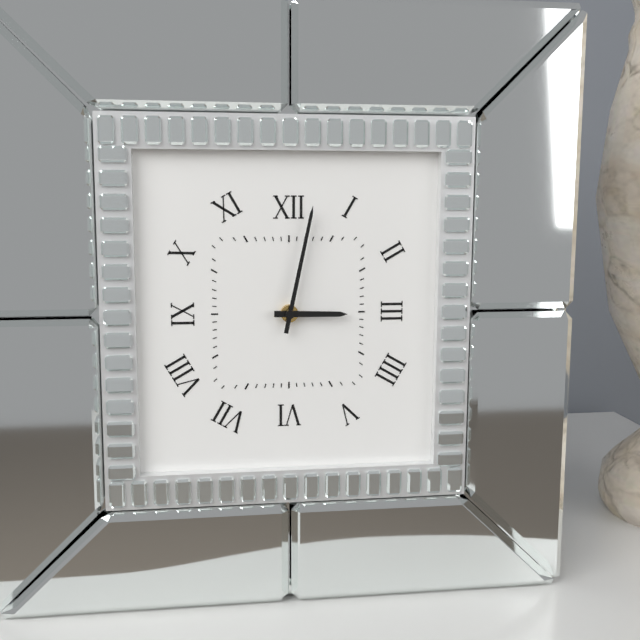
3:02
